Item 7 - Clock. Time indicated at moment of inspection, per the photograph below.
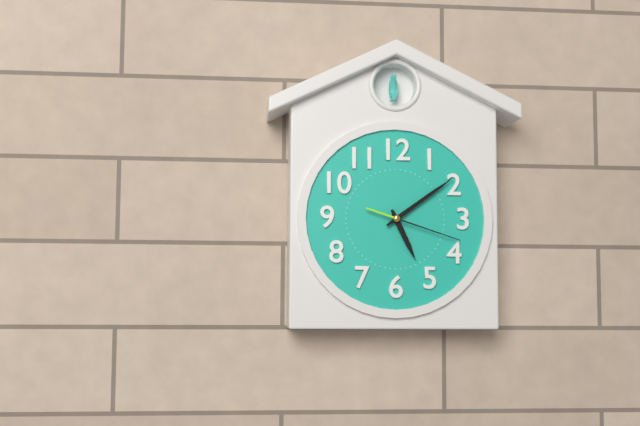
5:09:18
